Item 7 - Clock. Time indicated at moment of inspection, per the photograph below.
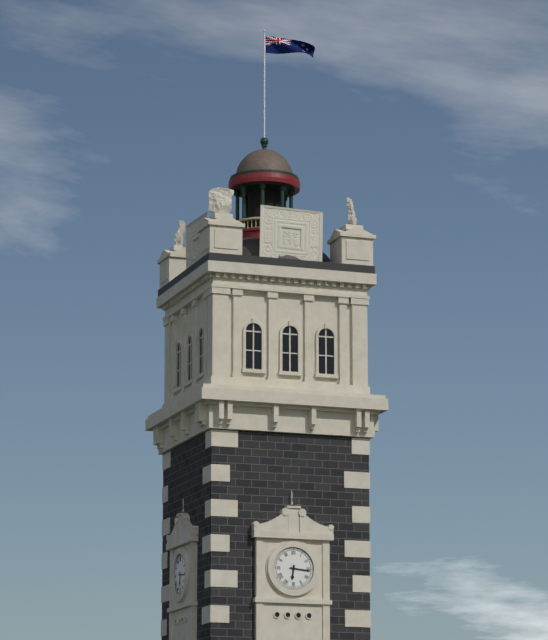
6:16
